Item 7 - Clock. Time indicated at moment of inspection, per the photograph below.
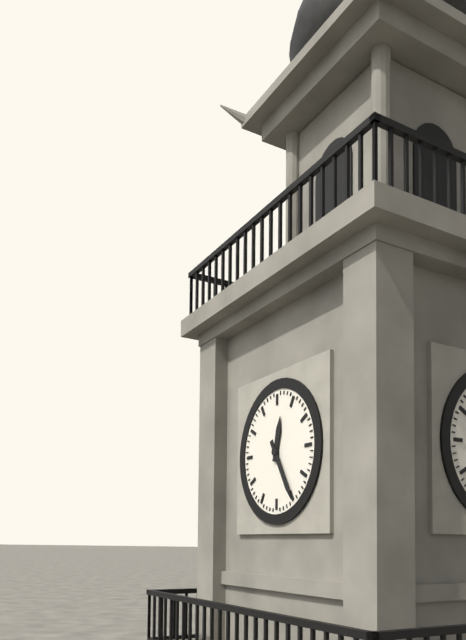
12:25
